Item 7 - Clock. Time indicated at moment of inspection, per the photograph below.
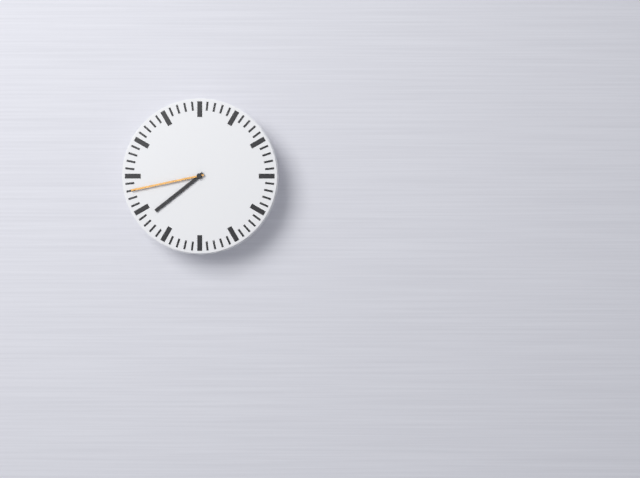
7:43
